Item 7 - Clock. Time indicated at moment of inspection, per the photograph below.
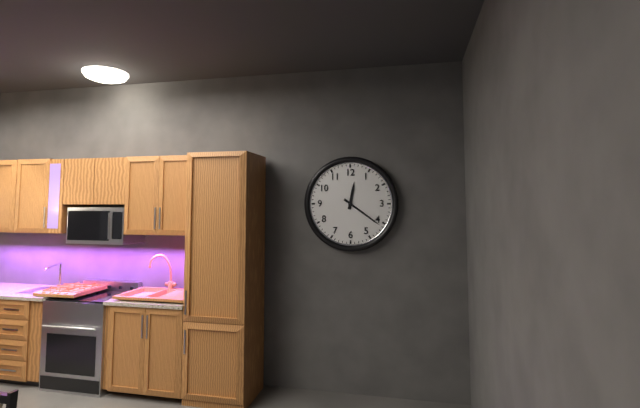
12:21
